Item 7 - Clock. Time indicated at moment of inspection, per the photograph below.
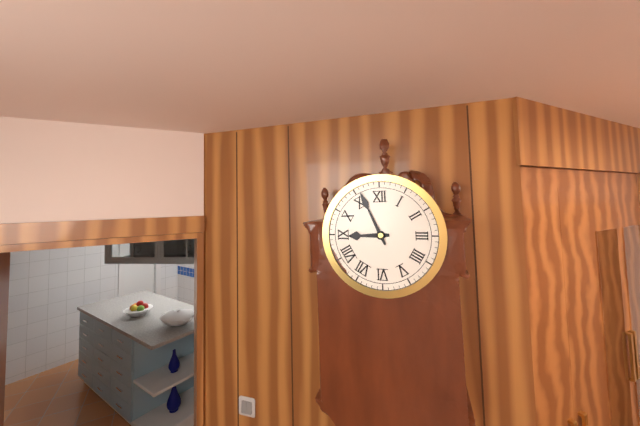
8:56
